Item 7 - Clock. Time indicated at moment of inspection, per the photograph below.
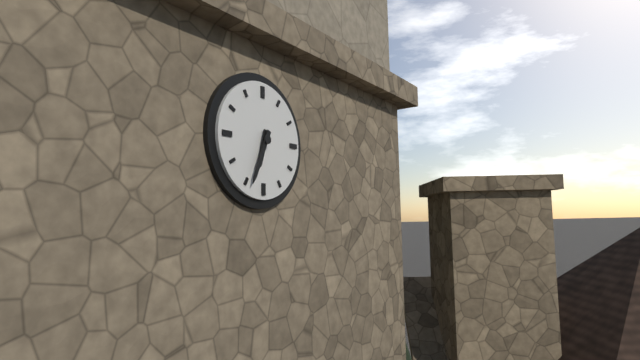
6:34
